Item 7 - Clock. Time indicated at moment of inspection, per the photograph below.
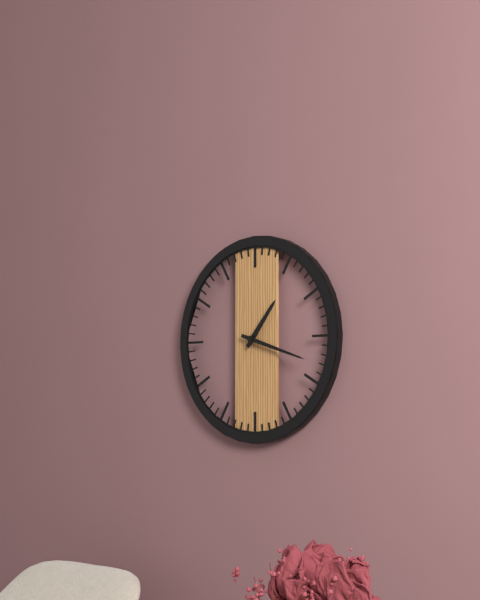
1:18
